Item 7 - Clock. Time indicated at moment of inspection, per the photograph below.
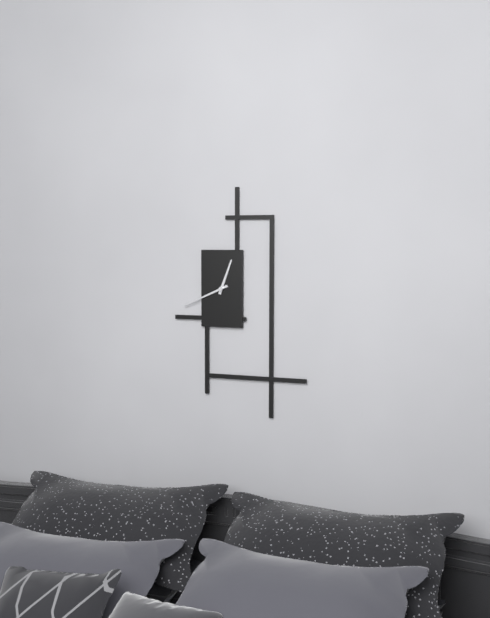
12:41
